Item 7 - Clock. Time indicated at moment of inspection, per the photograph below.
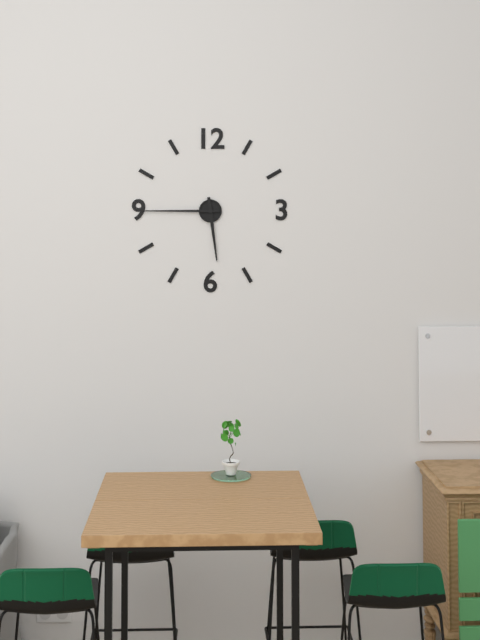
5:45
